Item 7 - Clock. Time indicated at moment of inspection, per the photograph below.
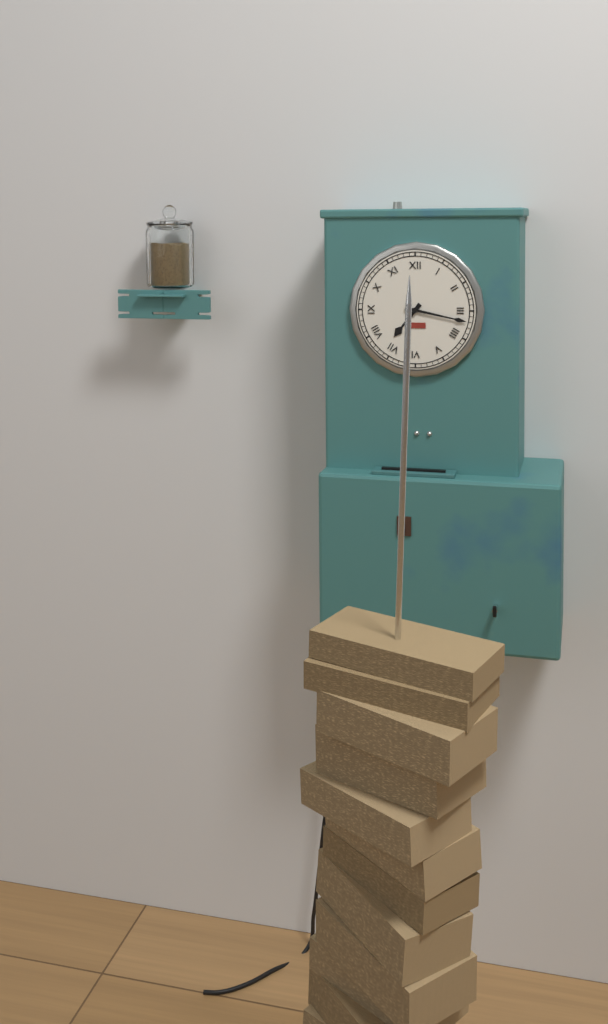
7:17
